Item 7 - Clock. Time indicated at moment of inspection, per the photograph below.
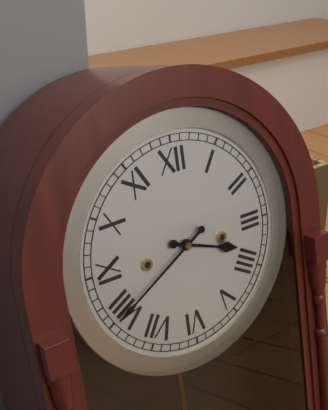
3:40
